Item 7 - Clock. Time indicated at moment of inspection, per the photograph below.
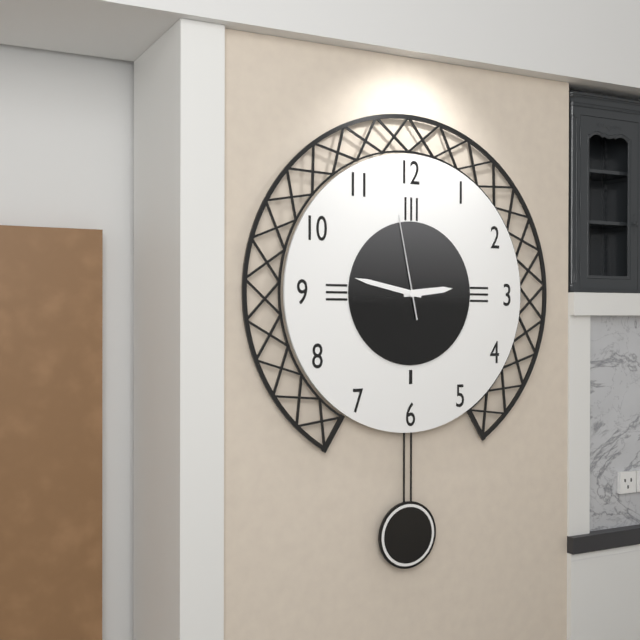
2:47:58
